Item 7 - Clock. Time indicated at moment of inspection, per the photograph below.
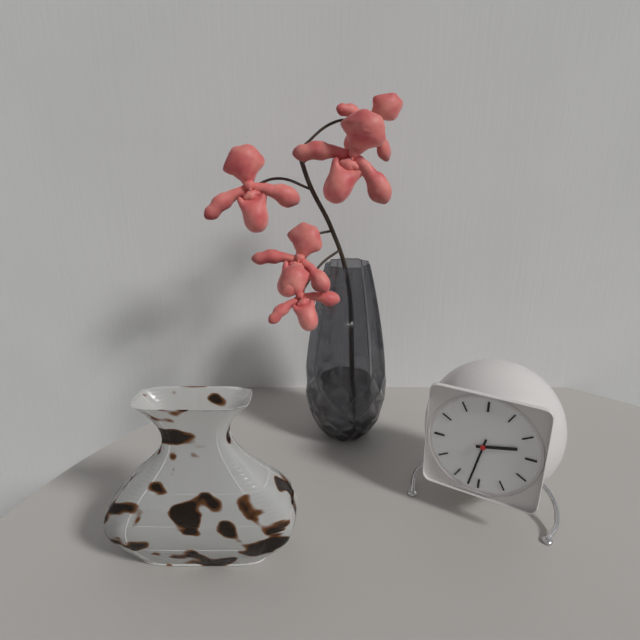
2:32
